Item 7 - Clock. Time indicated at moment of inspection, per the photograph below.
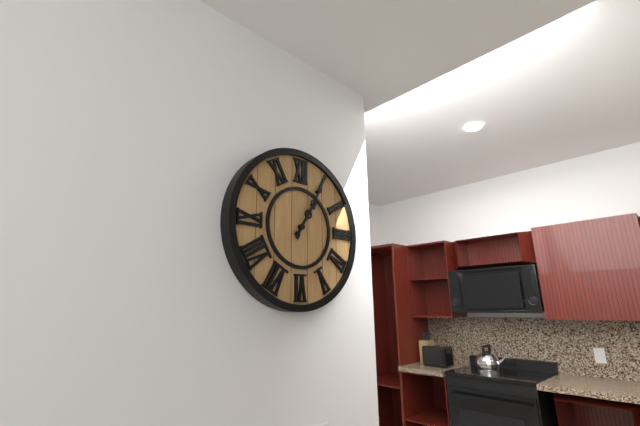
1:05
